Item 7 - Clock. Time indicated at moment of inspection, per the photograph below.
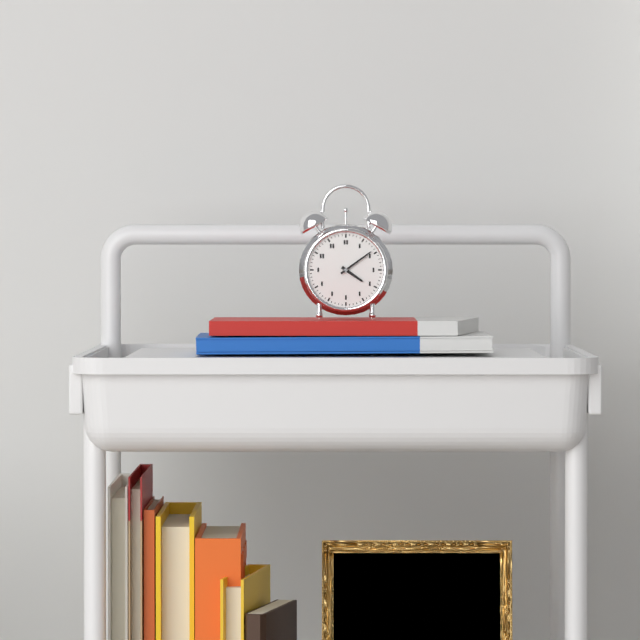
4:09
